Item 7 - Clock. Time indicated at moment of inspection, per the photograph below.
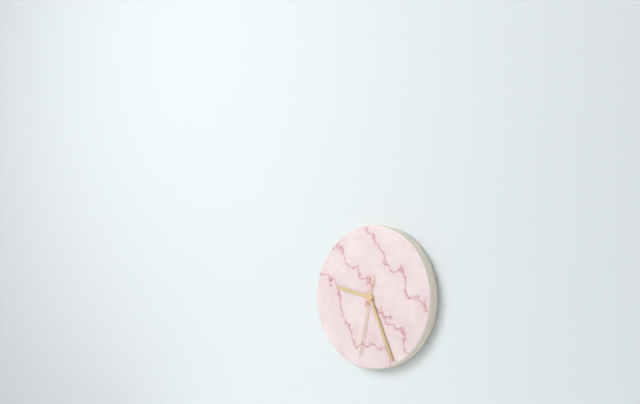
9:26:32
